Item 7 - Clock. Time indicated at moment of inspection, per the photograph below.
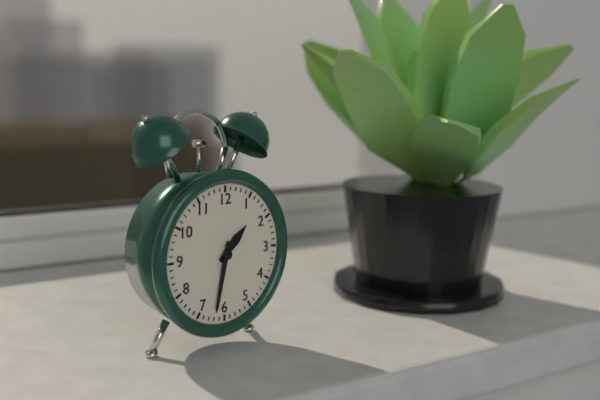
1:32
